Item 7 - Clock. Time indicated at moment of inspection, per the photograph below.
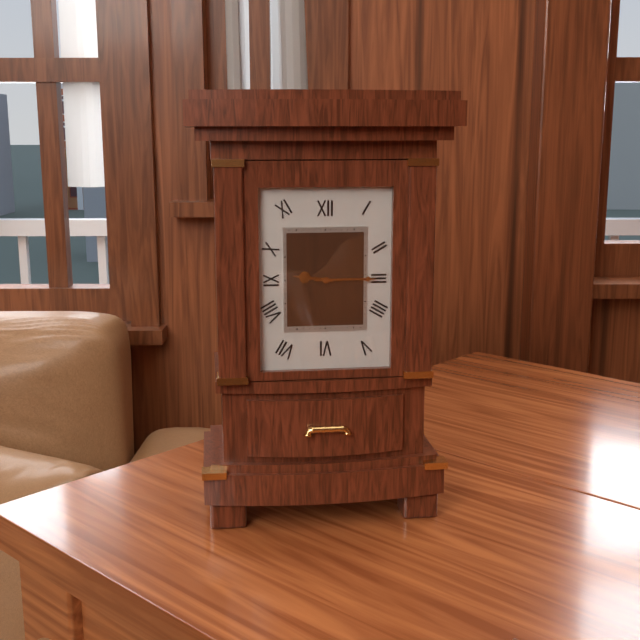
9:15
